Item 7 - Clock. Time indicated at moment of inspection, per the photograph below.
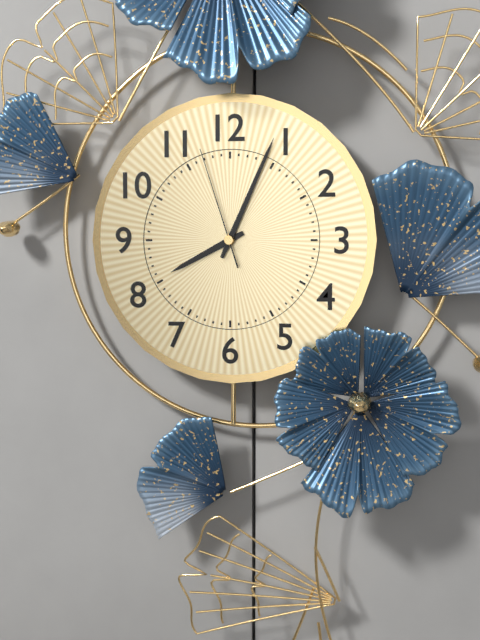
8:04:57
